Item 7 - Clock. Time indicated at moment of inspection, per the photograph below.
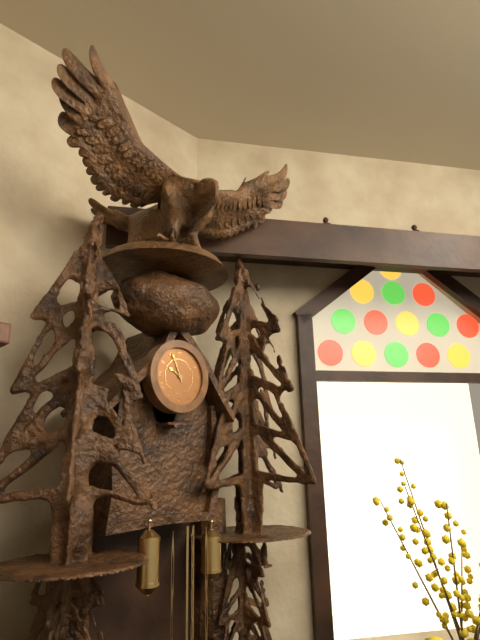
9:56
